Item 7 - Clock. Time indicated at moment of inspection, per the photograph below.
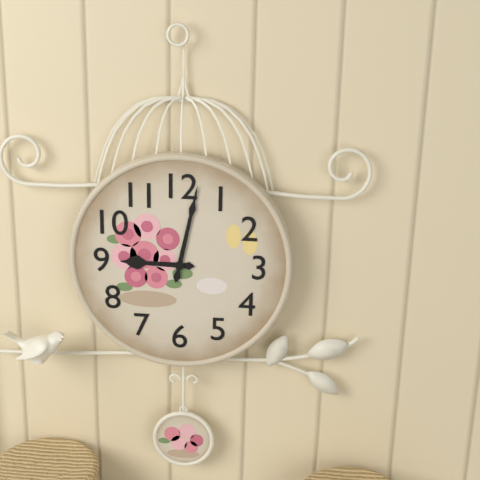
9:02
